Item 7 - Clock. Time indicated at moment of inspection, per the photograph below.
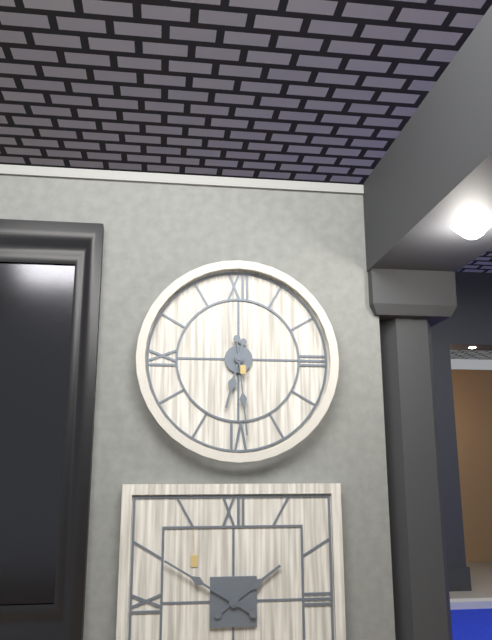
6:29
